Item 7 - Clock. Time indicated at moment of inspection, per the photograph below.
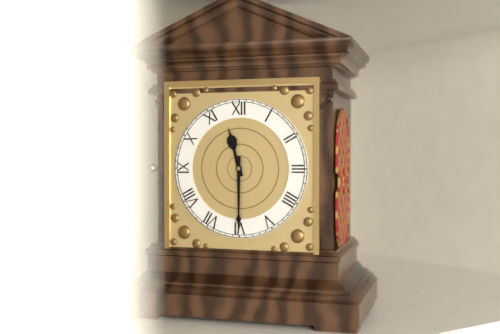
11:30
